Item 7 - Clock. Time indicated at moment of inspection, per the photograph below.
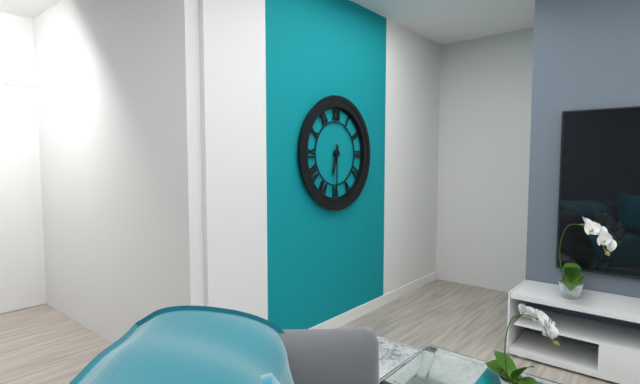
6:30
